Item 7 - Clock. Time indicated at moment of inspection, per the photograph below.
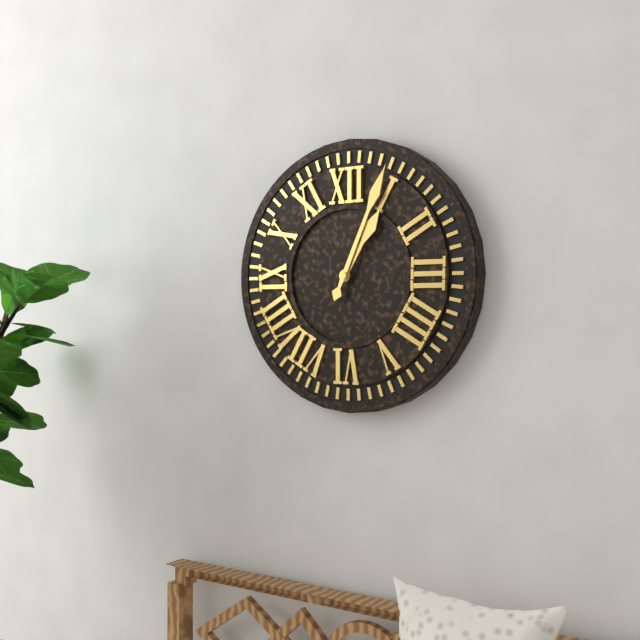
1:04
